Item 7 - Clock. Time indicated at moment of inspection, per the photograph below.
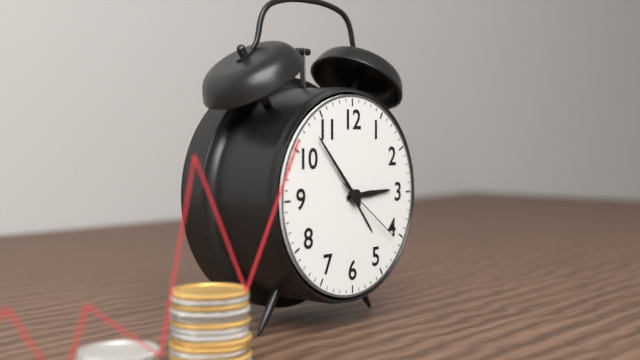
2:53:21
